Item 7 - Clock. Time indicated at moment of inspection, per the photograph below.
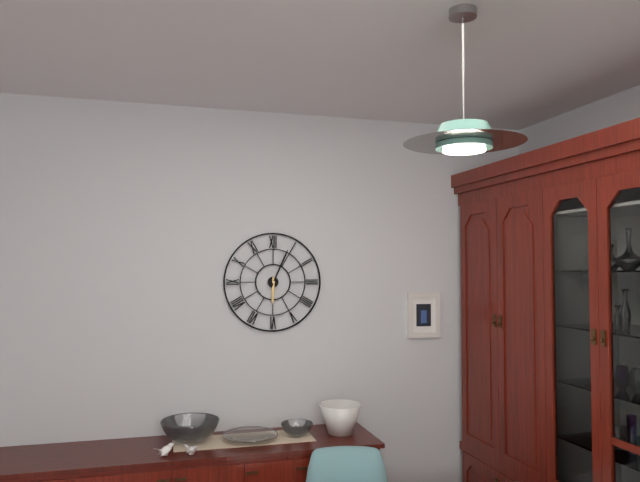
6:04
